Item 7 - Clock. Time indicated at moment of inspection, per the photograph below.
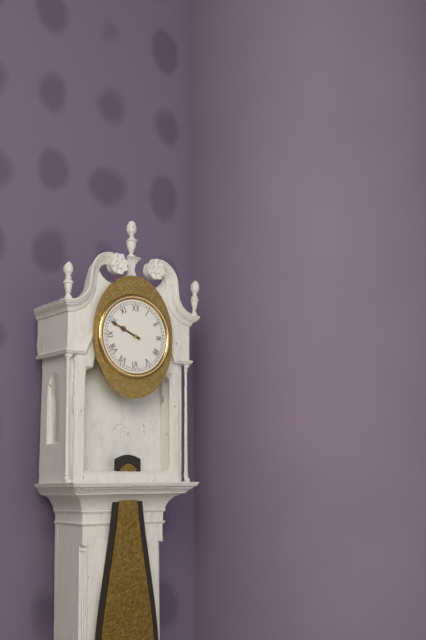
9:49
